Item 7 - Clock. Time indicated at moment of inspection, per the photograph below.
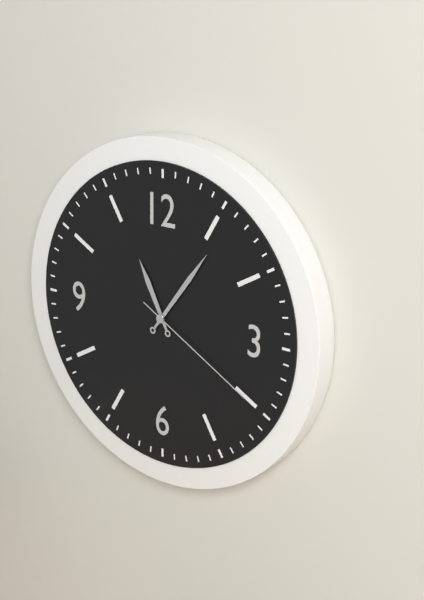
11:06:20
